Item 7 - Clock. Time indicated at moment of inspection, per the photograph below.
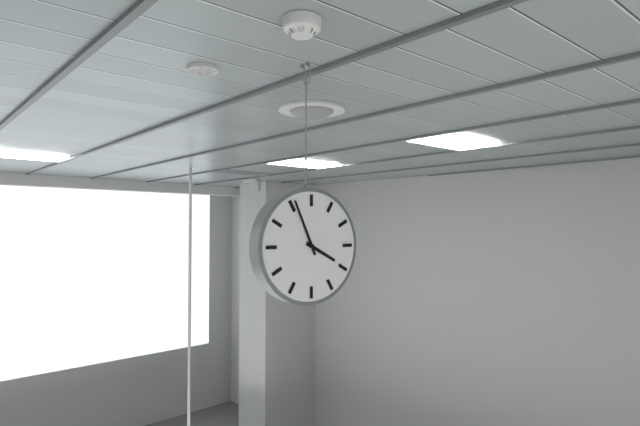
3:56
